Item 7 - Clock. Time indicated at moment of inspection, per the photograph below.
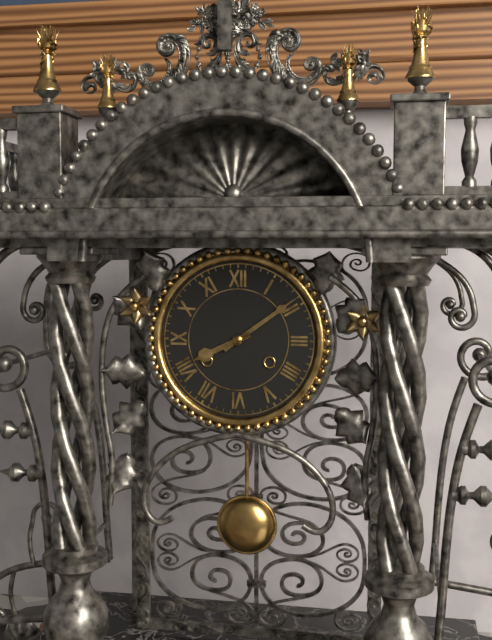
8:09
